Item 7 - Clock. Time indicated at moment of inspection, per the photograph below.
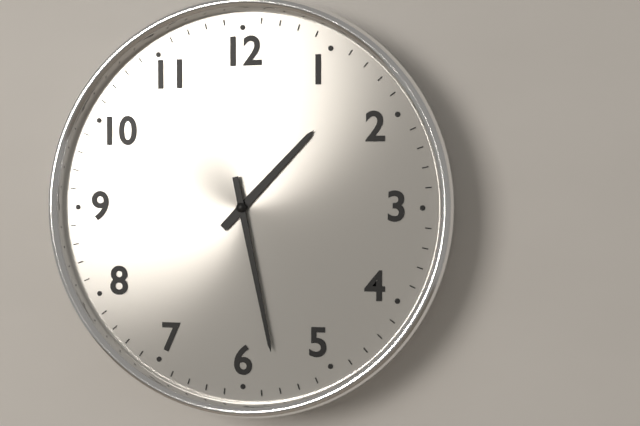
1:28
